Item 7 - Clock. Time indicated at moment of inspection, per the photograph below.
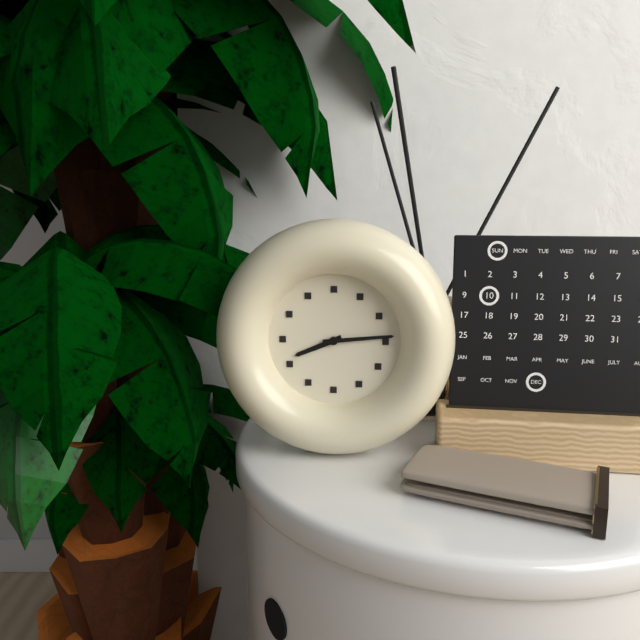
8:14
